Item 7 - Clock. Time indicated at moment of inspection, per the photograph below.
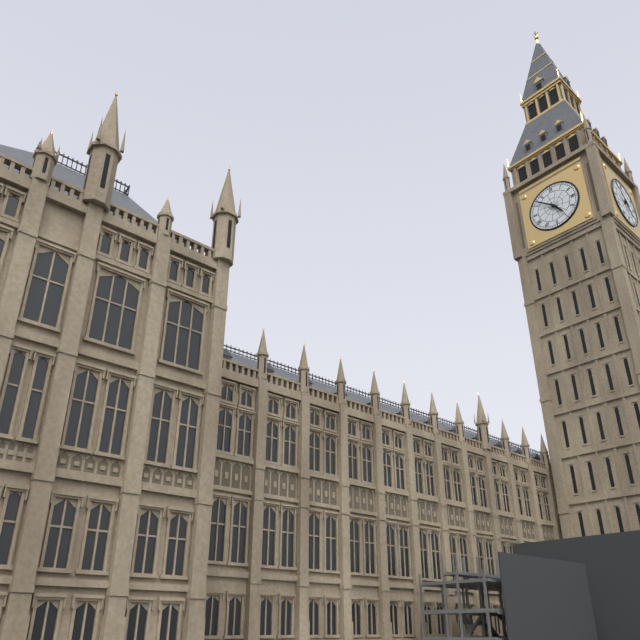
4:52
